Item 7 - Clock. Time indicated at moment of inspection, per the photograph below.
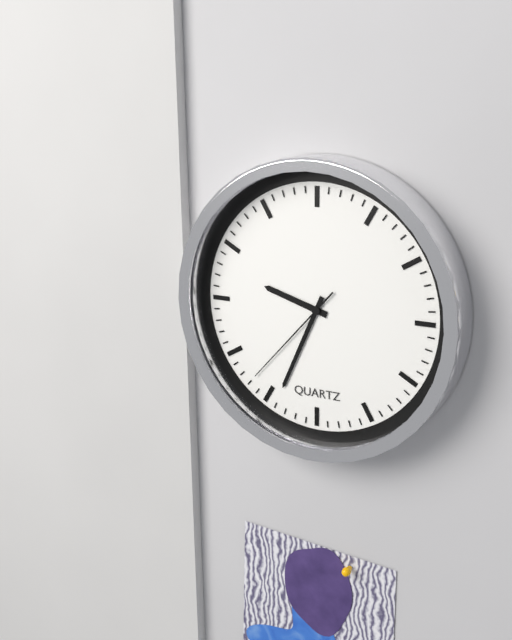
9:34:37
